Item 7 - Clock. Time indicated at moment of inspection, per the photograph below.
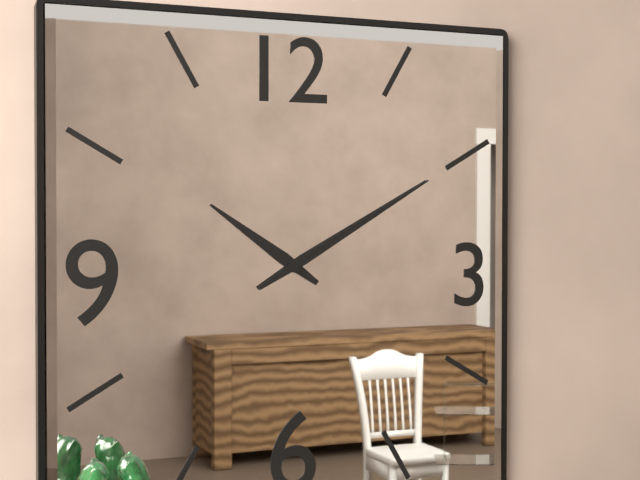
10:10
